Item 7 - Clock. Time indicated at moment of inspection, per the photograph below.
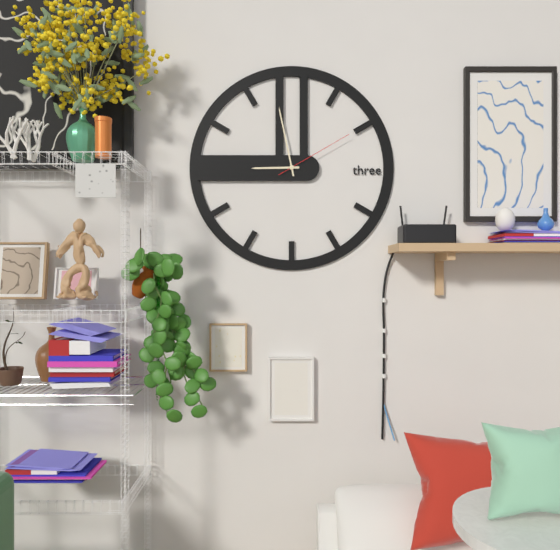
8:58:10
